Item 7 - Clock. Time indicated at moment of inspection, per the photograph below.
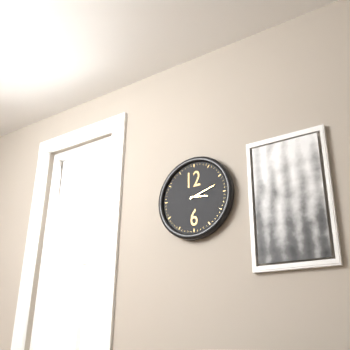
3:12
